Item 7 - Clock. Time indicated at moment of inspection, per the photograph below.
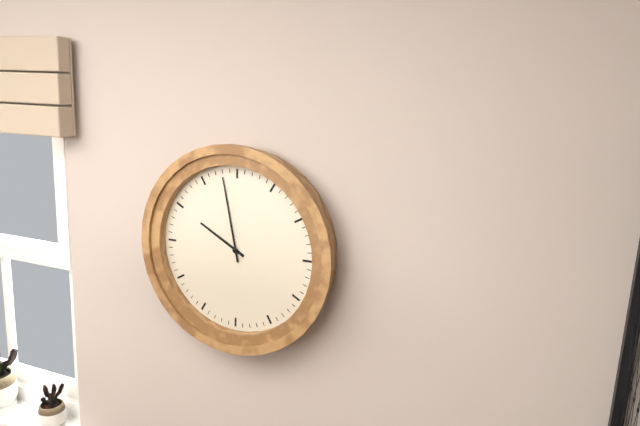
9:58
